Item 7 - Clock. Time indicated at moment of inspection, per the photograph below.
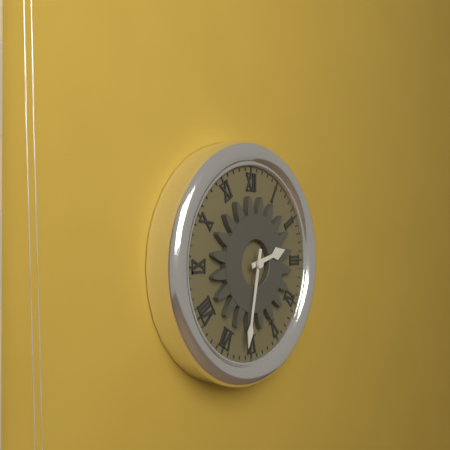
2:32
